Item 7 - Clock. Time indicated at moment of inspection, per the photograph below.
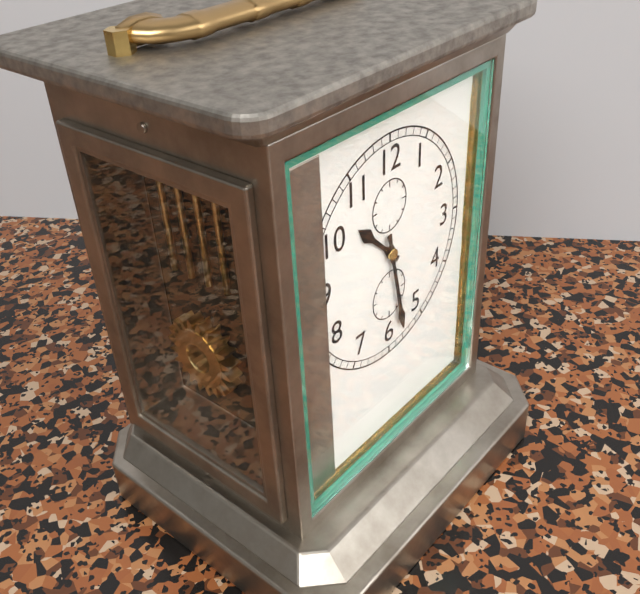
10:28
